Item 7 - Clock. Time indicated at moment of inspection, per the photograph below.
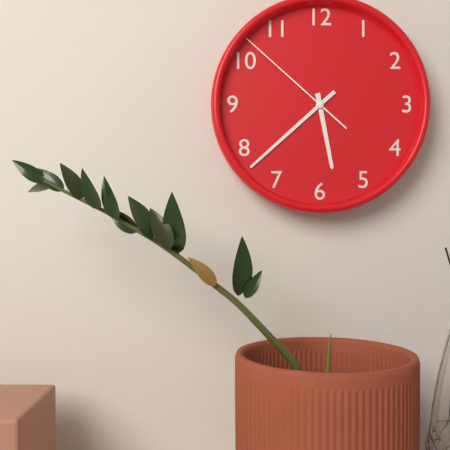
5:38:52
